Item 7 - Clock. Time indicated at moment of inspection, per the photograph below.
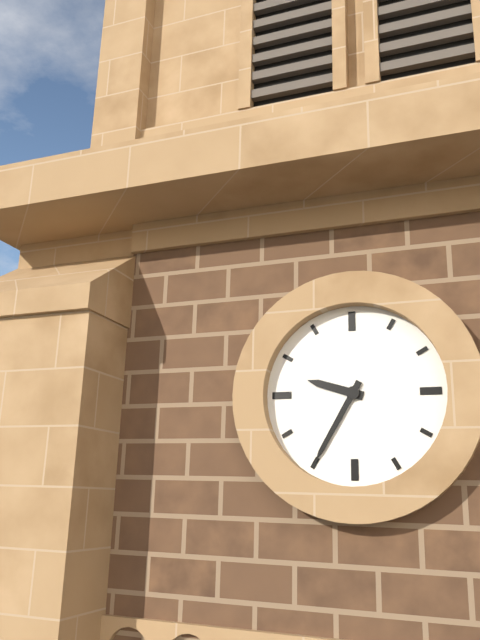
9:35
